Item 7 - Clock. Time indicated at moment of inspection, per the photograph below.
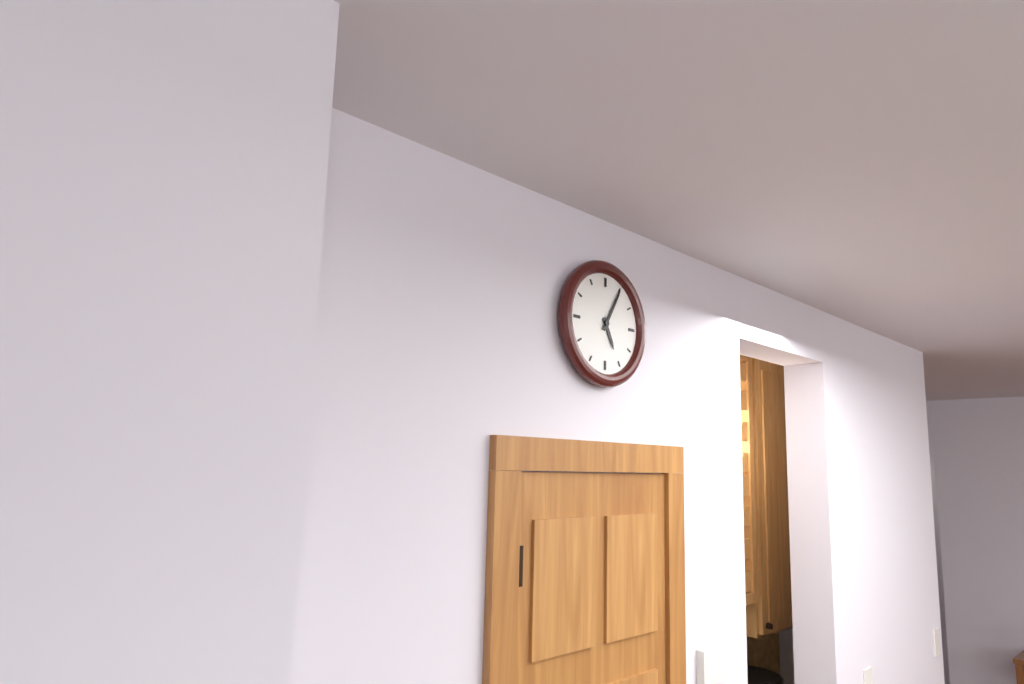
5:05
